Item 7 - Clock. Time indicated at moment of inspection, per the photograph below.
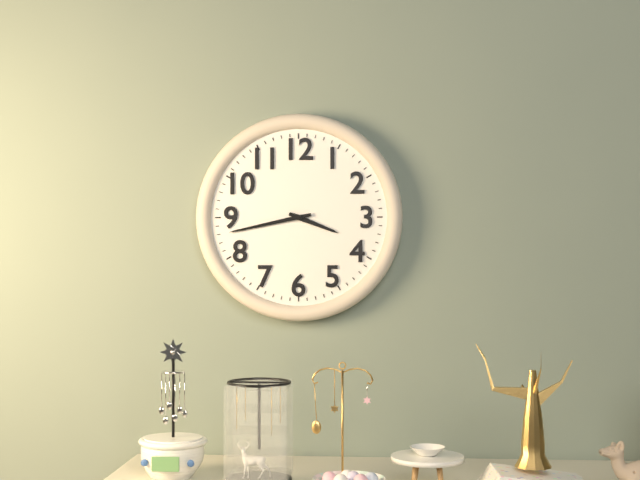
3:43
